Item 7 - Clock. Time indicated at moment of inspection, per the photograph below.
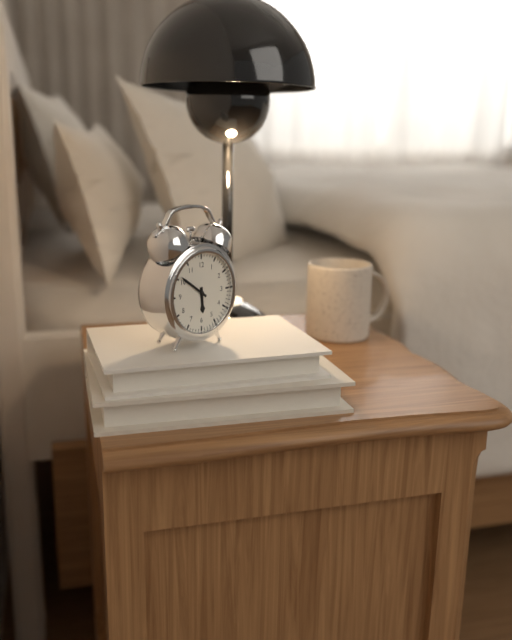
5:51
